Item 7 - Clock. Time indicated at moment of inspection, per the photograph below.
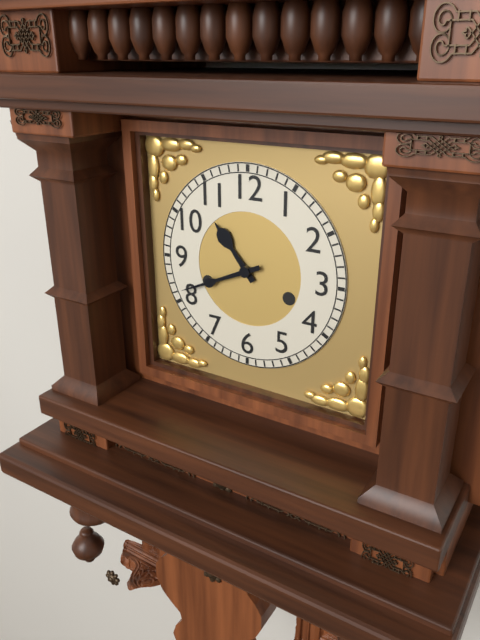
10:41
